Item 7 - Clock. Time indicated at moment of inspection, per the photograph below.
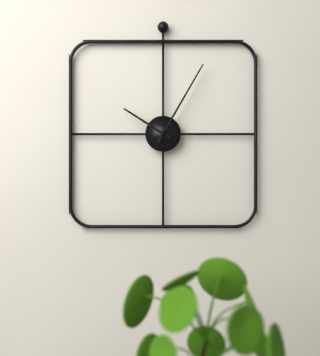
10:05
